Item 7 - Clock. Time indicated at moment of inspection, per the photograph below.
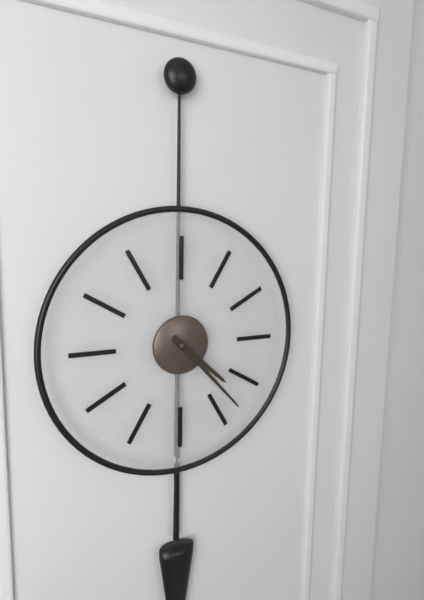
4:23
